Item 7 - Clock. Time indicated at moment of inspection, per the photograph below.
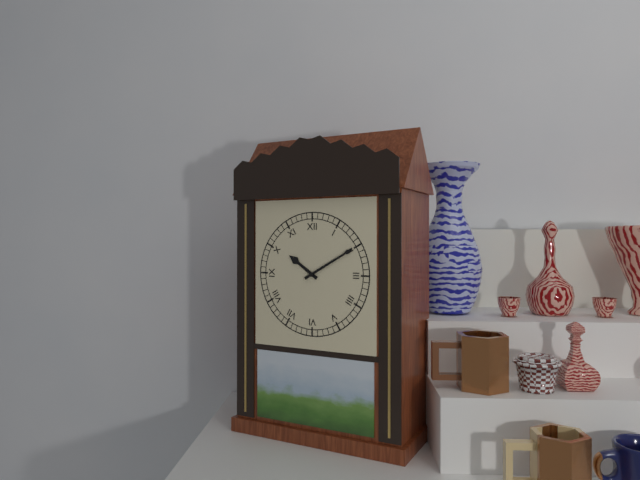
10:10
